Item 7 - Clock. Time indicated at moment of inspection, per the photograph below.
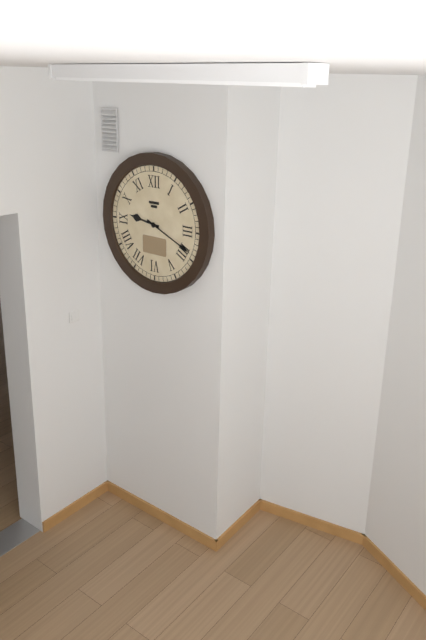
9:19
